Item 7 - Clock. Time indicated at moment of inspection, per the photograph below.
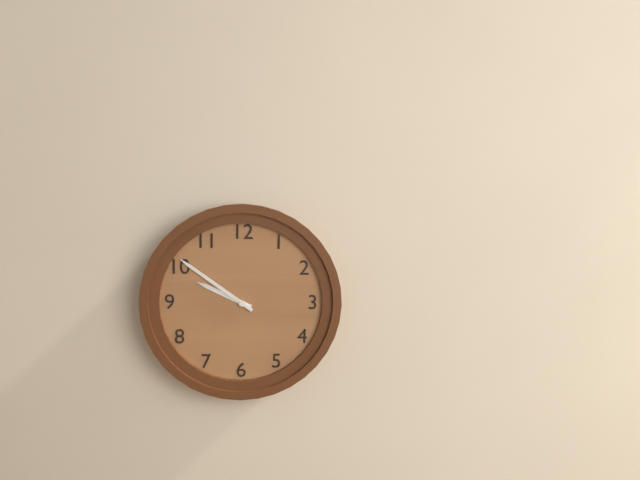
9:51
